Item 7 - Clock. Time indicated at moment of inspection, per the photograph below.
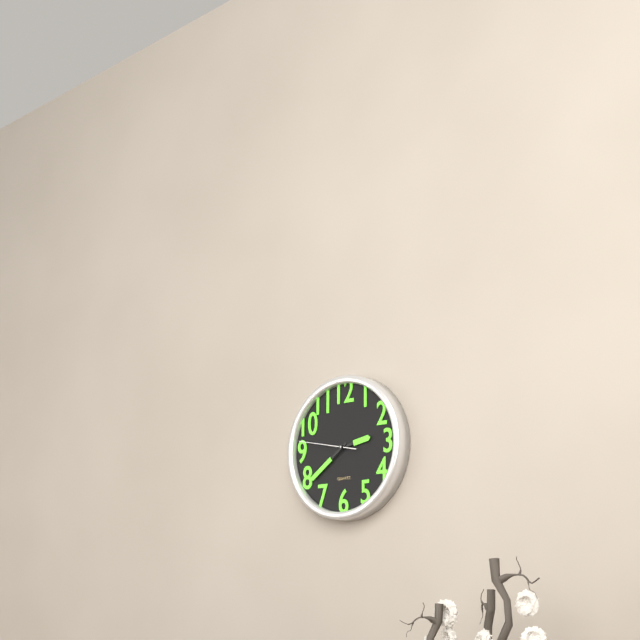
2:39:47
